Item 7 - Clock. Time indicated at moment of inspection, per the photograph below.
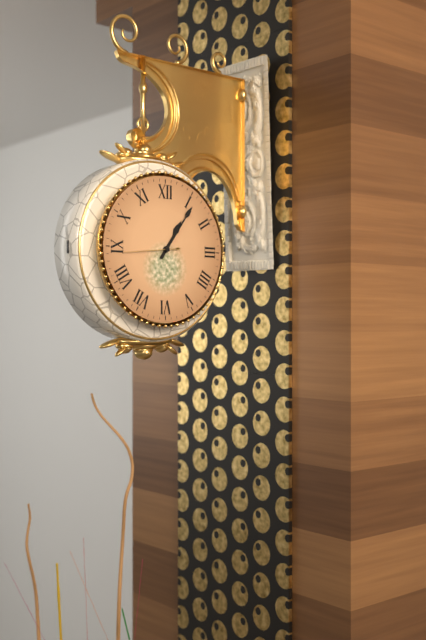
1:06:44
